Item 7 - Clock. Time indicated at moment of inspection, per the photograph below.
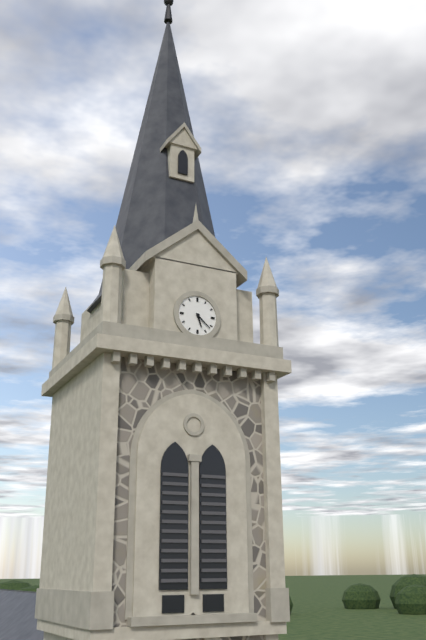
5:22
